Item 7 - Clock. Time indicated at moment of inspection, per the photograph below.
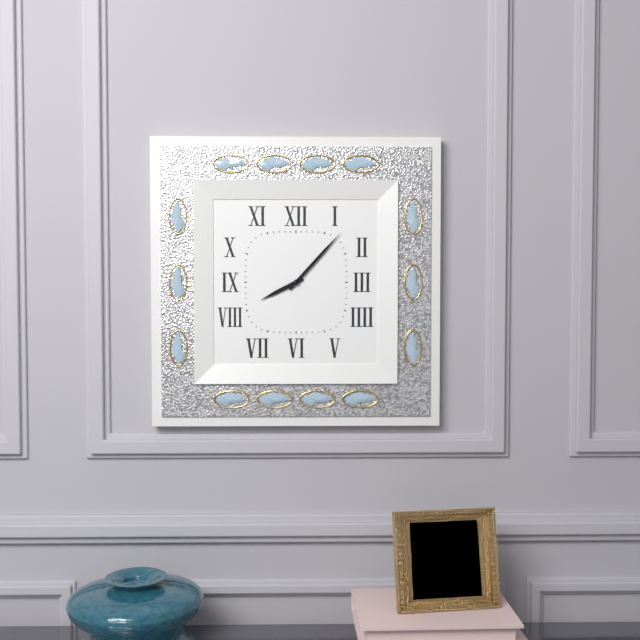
8:07
